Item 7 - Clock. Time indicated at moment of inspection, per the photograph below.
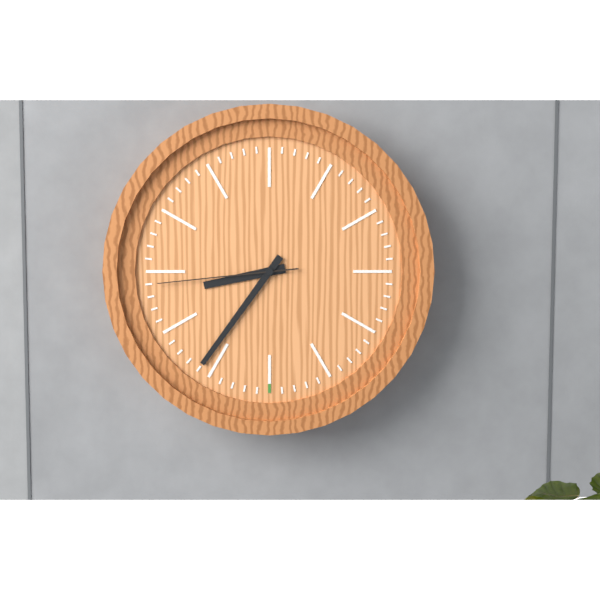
8:36:44
